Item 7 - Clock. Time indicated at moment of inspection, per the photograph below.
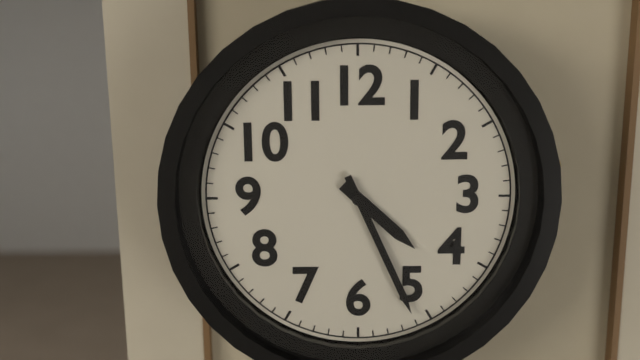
4:26
